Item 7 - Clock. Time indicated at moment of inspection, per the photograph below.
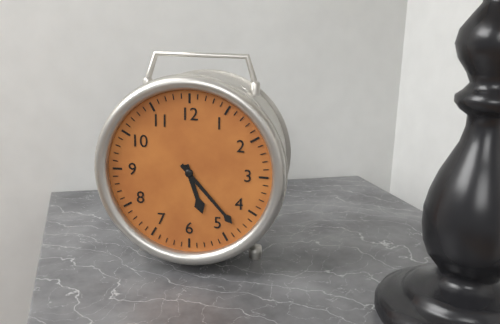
5:23
